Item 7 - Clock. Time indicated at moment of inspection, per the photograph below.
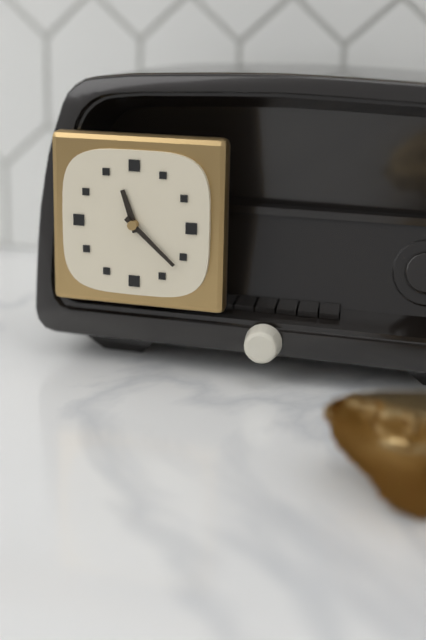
11:22
